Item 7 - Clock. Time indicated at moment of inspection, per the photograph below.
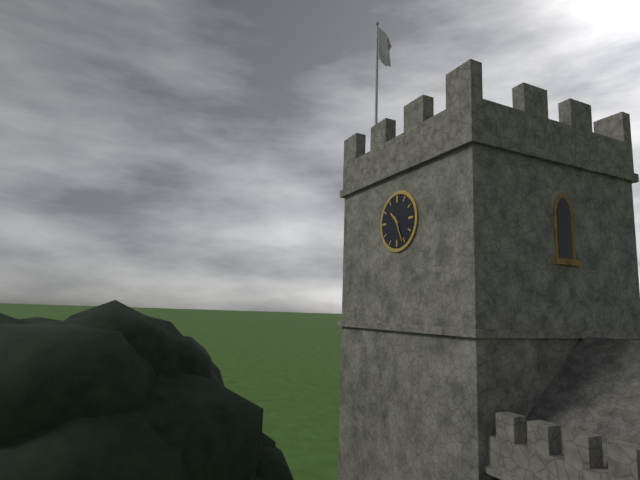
10:26
